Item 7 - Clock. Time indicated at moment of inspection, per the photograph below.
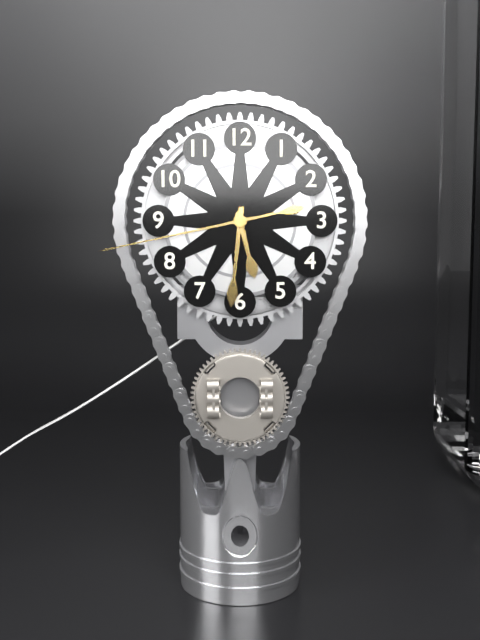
5:31:43
